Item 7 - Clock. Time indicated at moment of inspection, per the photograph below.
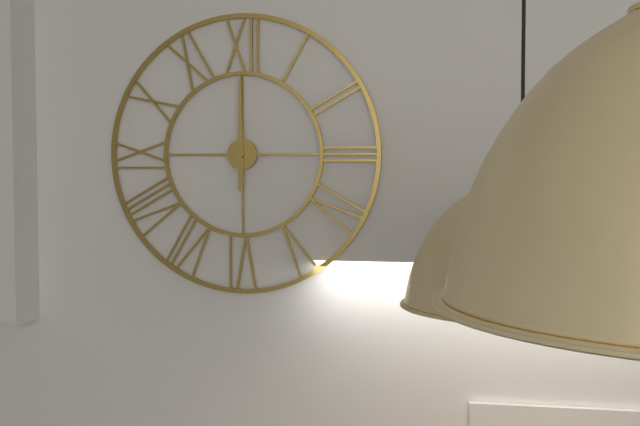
12:00
